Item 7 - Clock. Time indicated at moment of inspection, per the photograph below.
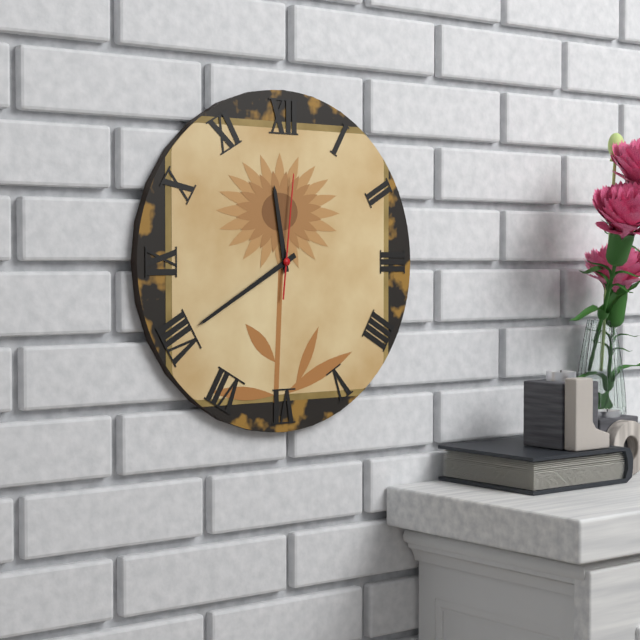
11:40:01
